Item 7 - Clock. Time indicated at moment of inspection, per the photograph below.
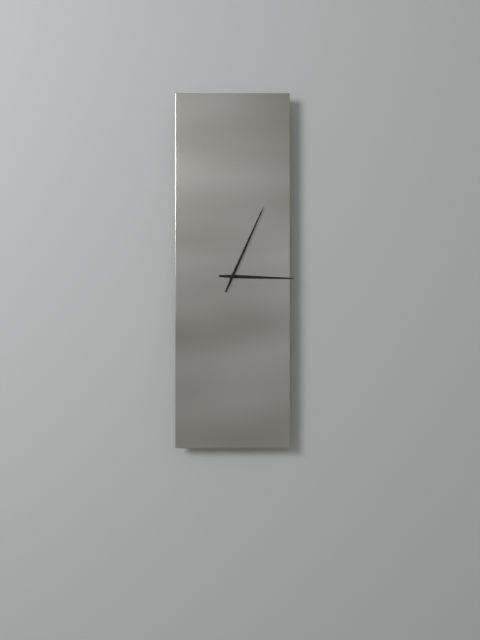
3:04
